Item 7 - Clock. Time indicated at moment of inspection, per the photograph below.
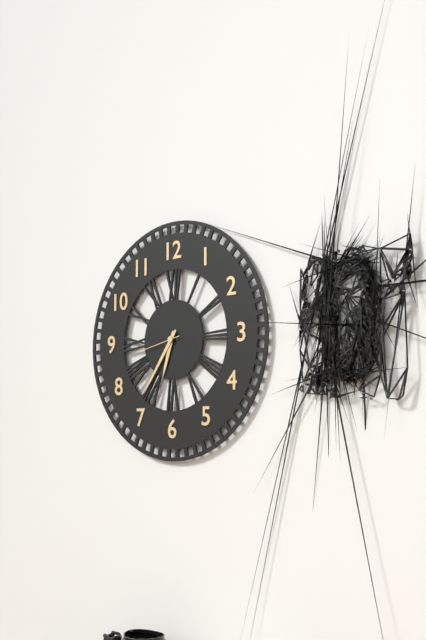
6:36
